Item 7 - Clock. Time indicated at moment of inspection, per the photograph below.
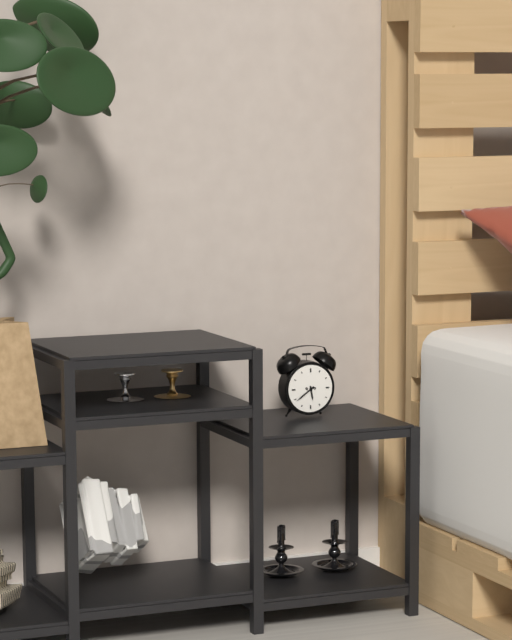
5:39
